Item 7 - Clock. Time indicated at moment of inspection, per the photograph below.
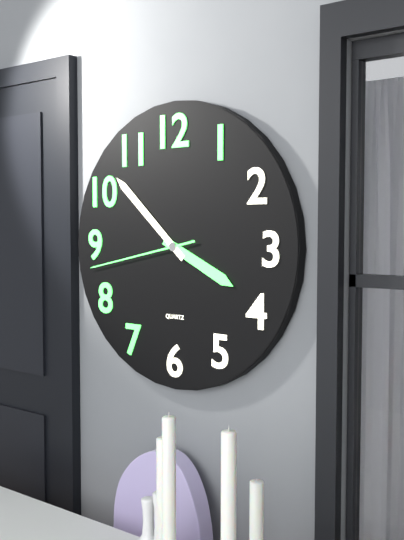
3:52:43
